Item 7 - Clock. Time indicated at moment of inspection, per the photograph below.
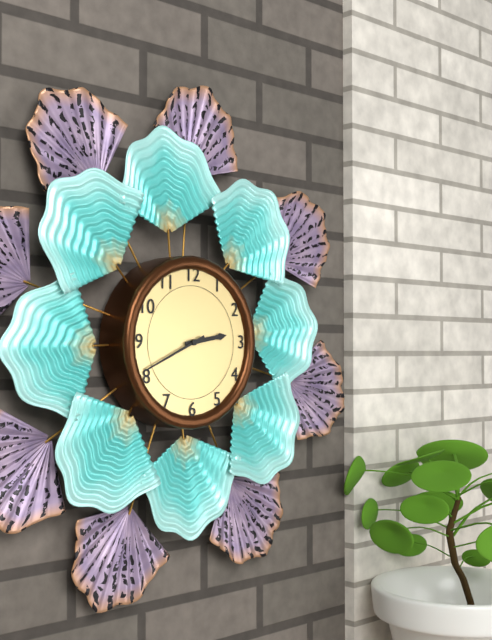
2:41
